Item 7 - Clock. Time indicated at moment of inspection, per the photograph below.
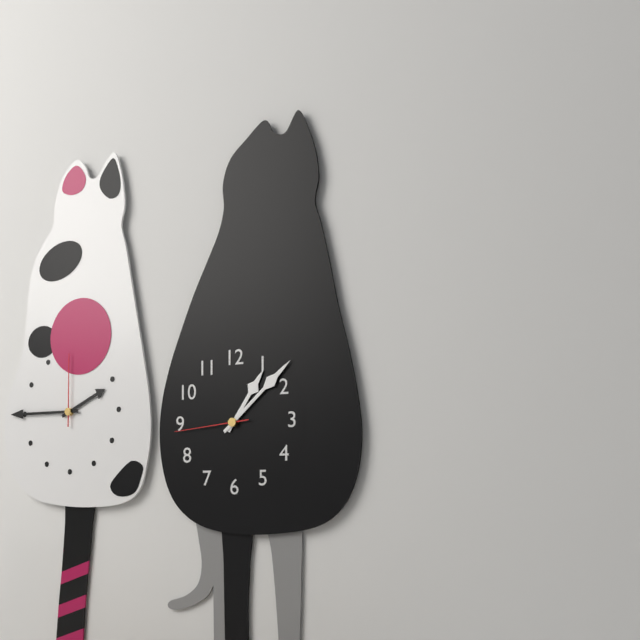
1:08:44
